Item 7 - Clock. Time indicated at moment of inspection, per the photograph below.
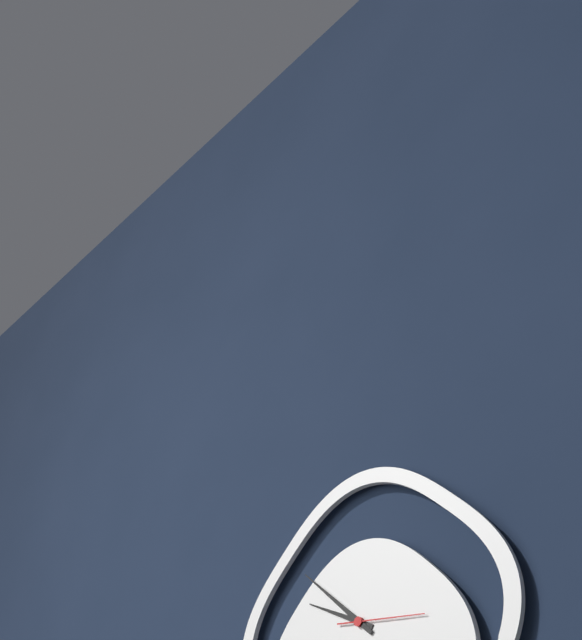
9:52:16
